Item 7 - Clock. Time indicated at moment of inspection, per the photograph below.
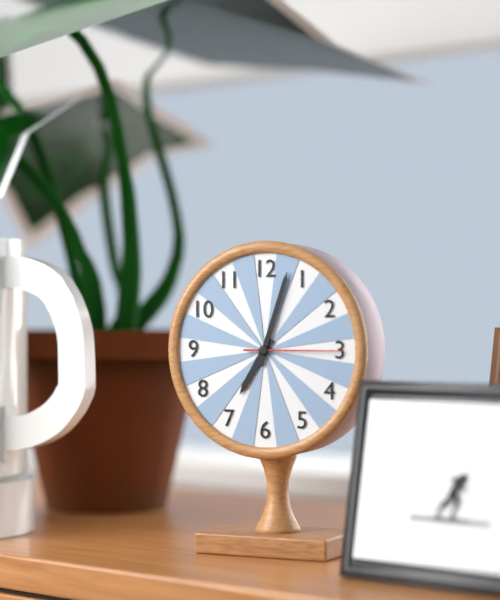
7:03:15
